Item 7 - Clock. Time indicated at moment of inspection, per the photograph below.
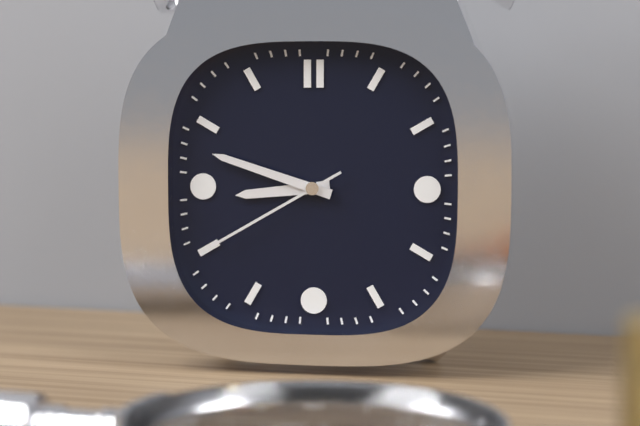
8:48:40
